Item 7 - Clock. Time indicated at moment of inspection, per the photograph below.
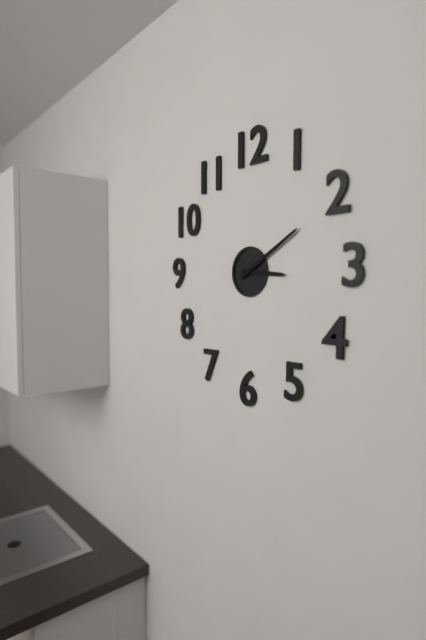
3:10
